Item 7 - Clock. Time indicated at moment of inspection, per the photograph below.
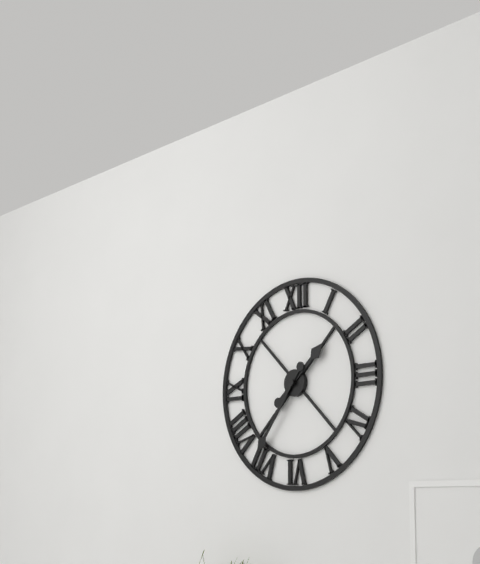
1:36
